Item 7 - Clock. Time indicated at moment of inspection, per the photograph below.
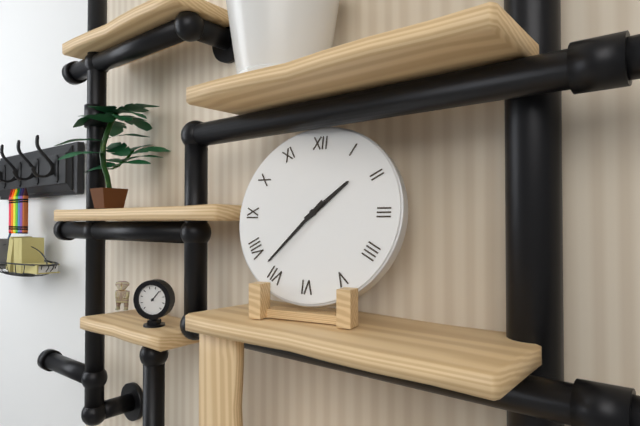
1:37
